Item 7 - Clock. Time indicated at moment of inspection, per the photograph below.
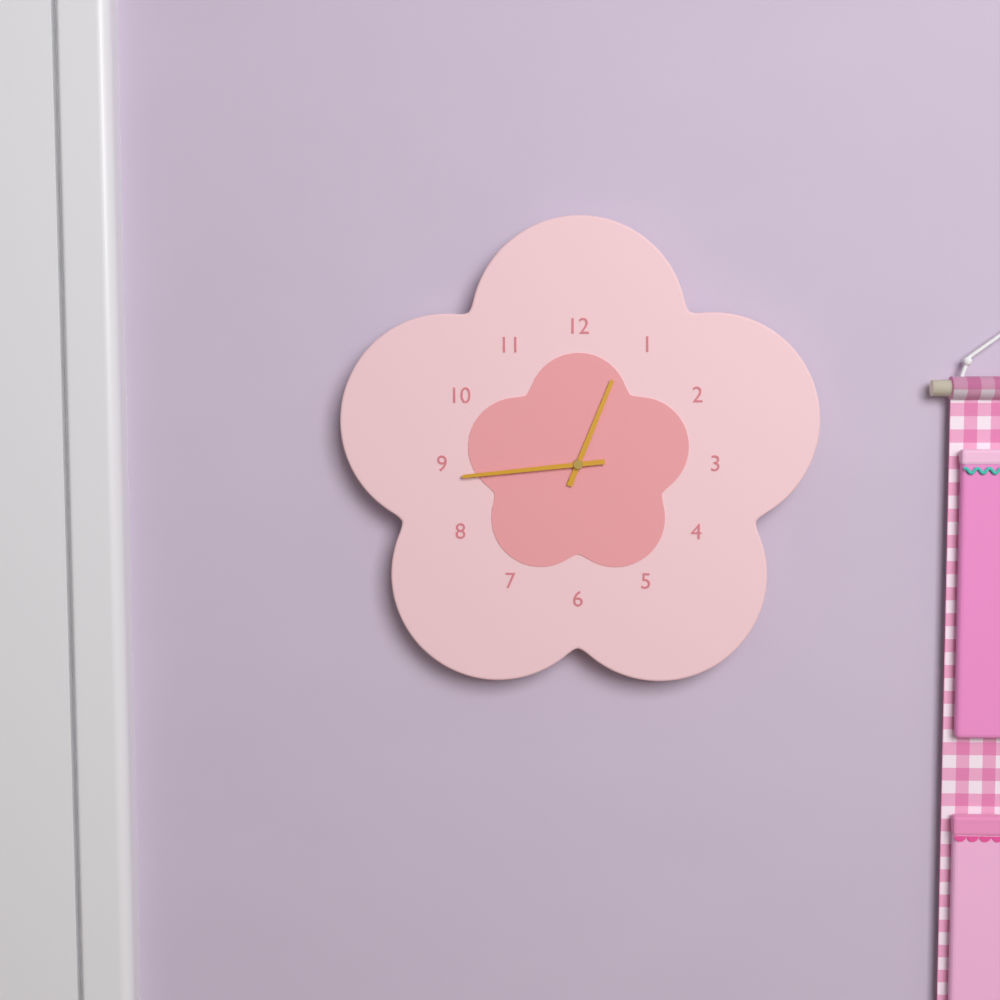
12:44
